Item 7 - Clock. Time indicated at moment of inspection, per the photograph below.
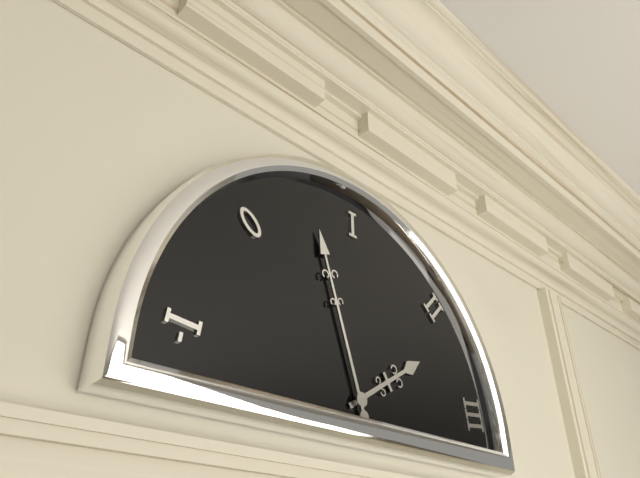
1:57
